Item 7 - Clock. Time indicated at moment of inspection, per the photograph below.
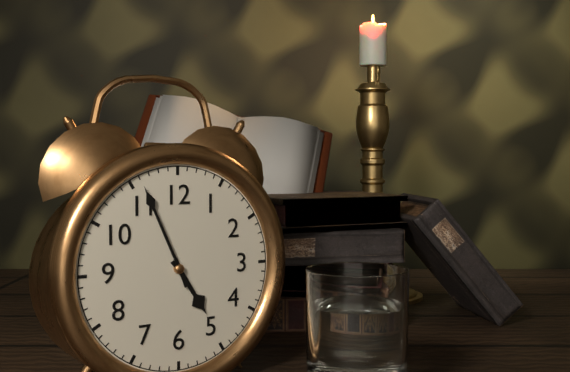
4:56
